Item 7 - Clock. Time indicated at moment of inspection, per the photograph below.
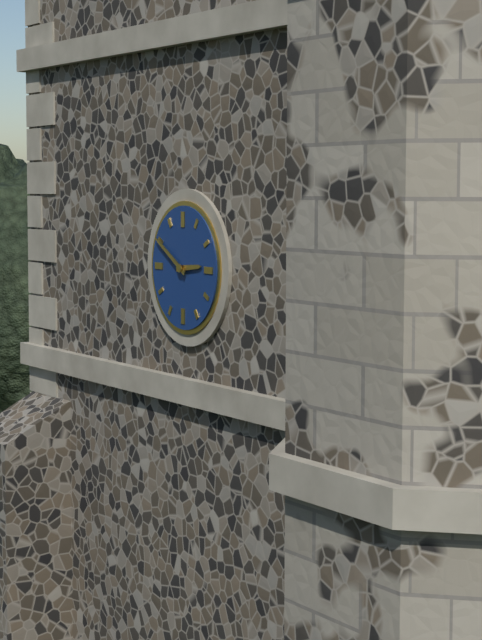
2:50
